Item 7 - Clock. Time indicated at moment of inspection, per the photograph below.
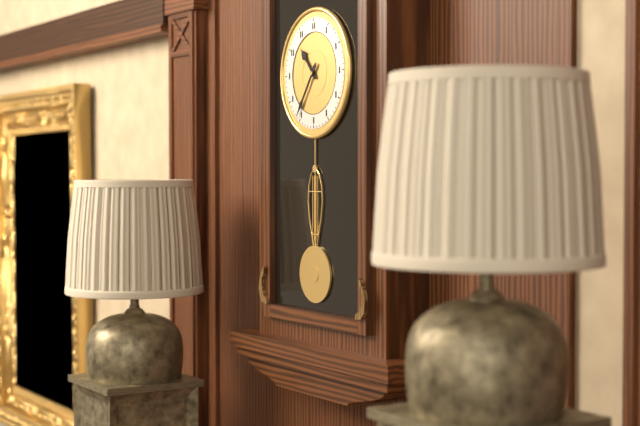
10:36
